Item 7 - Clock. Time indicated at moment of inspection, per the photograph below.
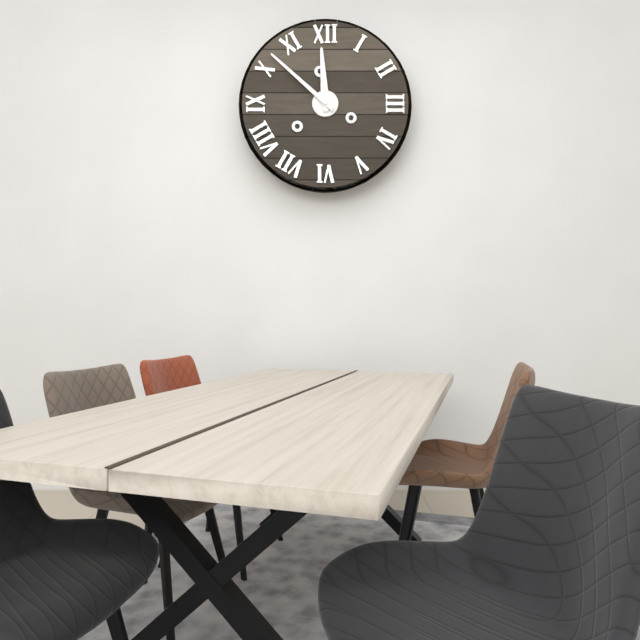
11:52
